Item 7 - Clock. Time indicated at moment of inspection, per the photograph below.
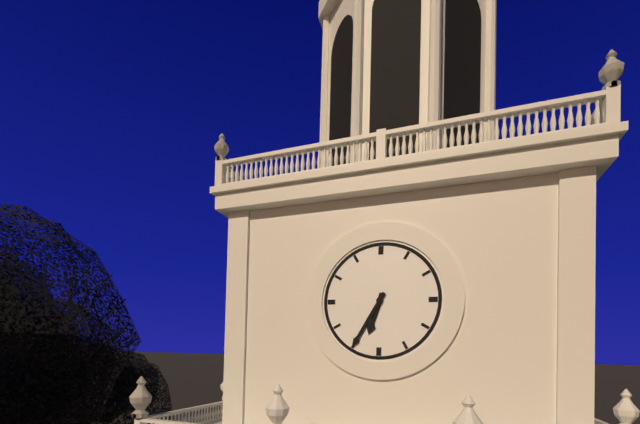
6:35
